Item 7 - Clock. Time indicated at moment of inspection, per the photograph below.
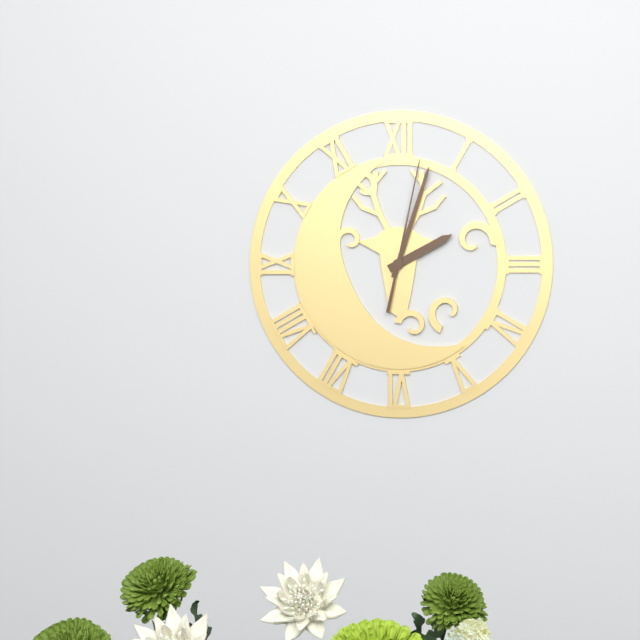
2:03:02
